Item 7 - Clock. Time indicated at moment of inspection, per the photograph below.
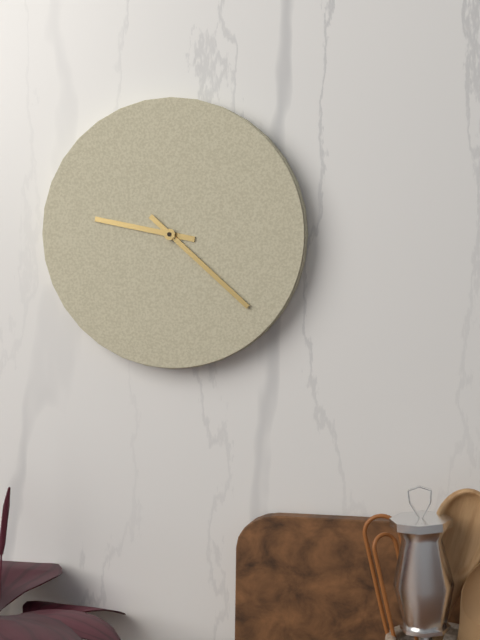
9:22
